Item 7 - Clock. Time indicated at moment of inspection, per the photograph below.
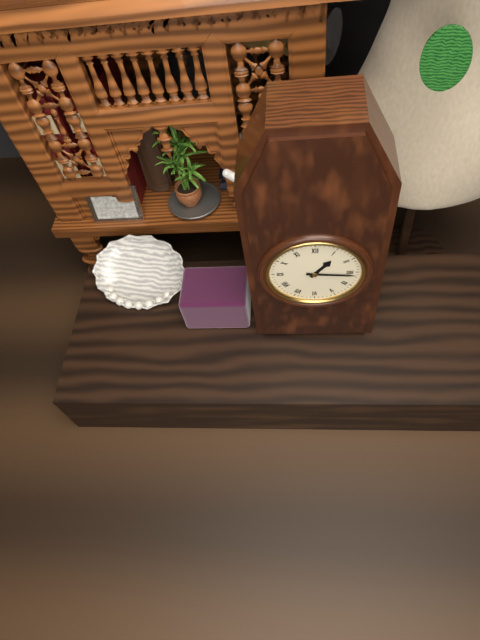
1:16
